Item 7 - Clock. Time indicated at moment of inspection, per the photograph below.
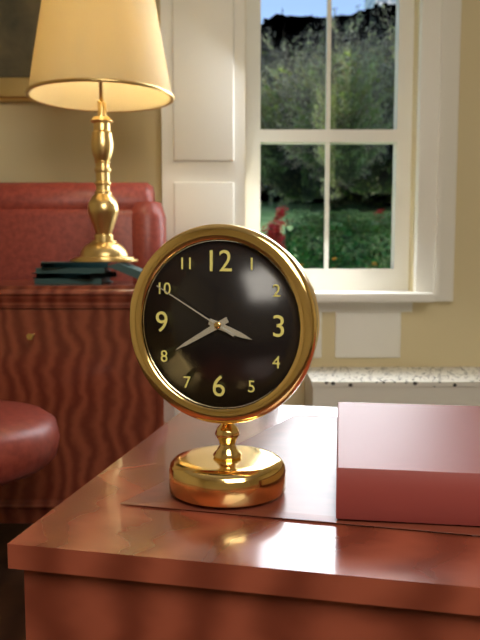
3:40:50
